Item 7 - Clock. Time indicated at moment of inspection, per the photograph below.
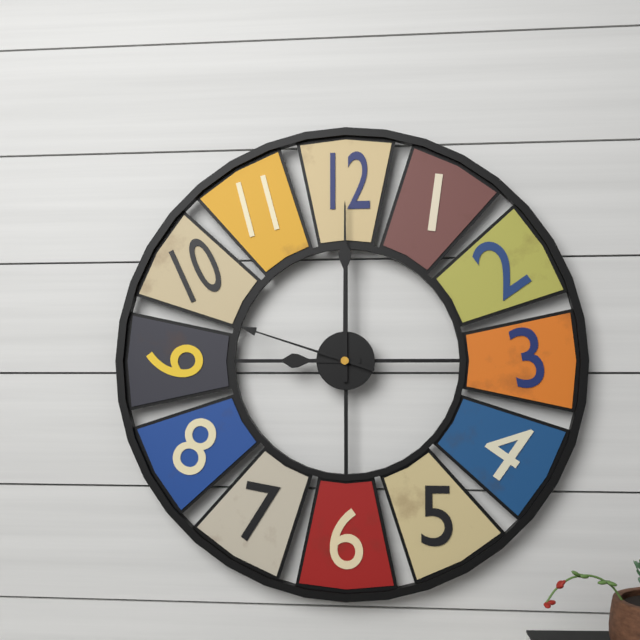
9:00:48
